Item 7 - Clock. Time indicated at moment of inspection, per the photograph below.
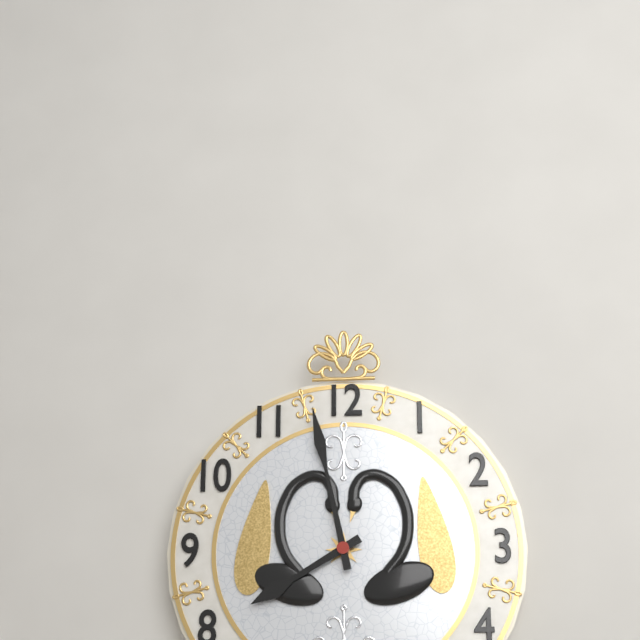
7:58
